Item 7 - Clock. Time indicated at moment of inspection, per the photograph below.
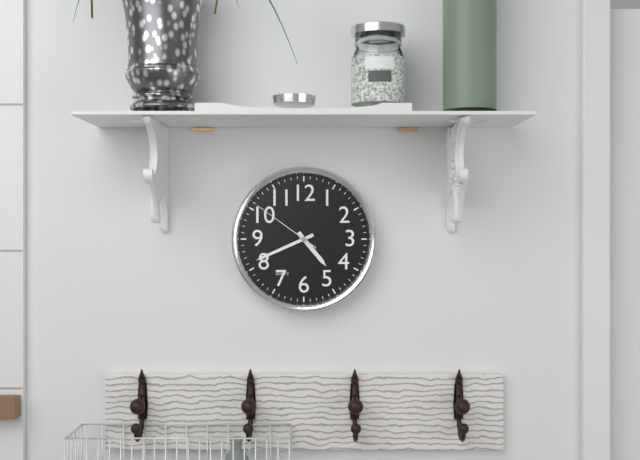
4:41:51
